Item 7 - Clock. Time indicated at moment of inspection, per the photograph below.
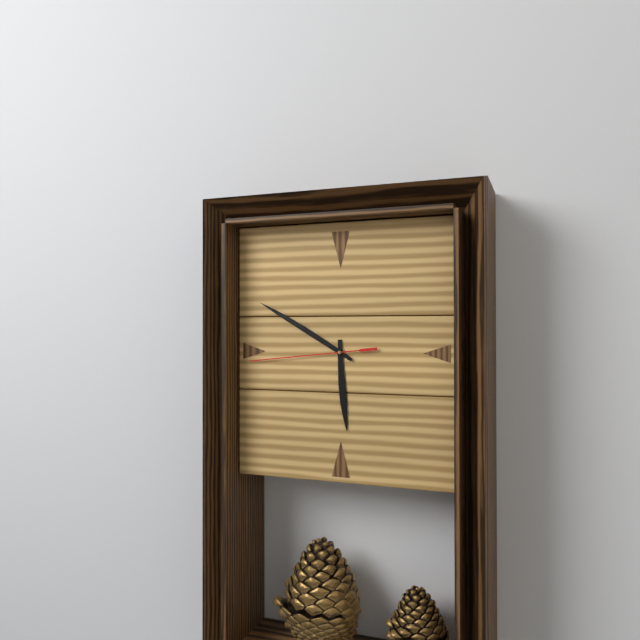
5:50:44
